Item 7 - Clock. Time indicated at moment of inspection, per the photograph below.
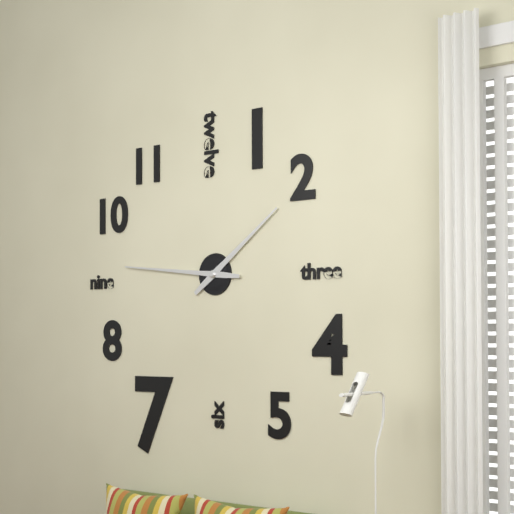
1:46
